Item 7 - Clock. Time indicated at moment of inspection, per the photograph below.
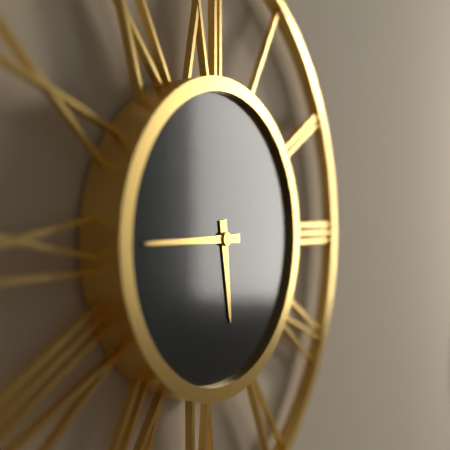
5:45
